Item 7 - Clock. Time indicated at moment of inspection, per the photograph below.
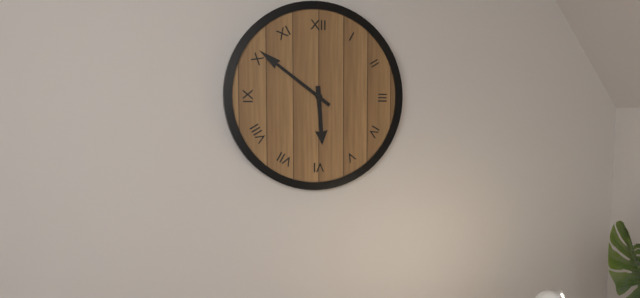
5:51
